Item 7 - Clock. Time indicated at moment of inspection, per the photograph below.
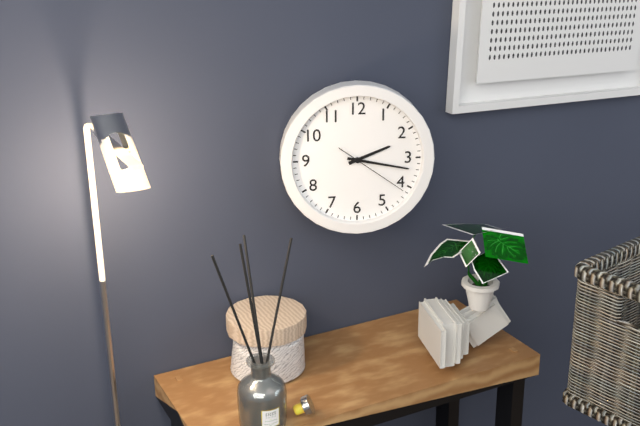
2:17:21
